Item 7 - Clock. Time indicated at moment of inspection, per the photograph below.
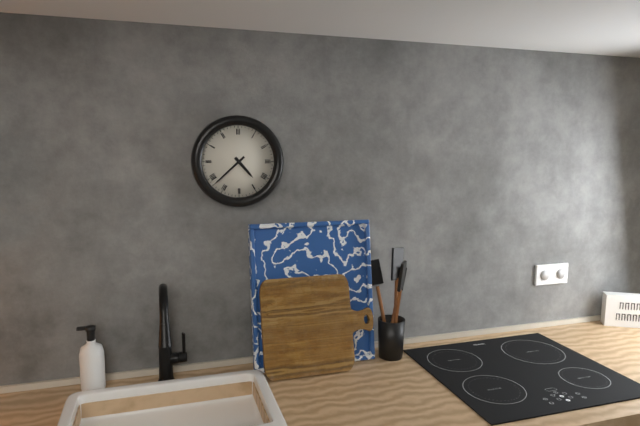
4:38
